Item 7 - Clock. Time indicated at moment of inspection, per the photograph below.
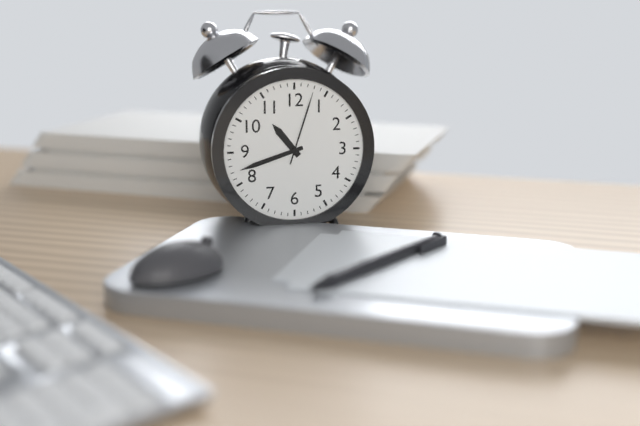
10:42:03
